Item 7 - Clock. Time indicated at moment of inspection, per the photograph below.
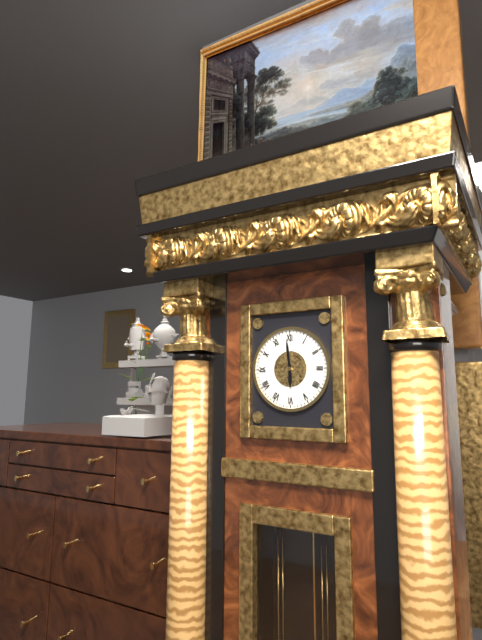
5:59
